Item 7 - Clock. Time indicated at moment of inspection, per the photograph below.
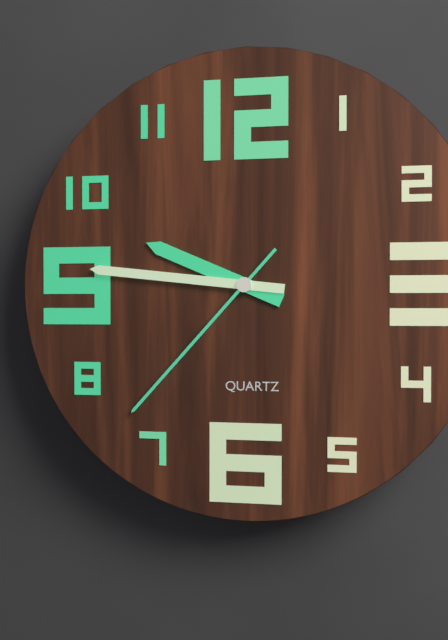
9:46:37
